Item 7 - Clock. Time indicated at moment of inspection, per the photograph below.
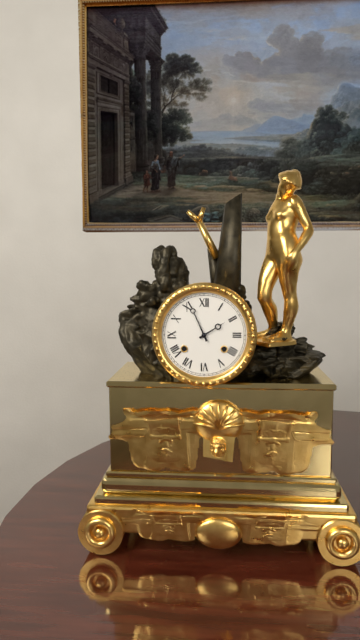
1:56
